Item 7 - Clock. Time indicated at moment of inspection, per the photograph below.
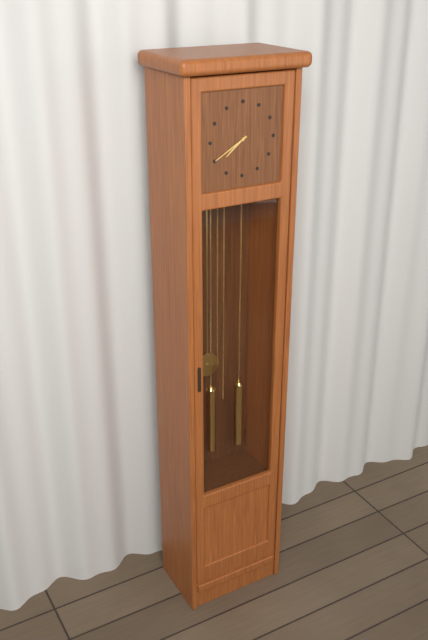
7:40
